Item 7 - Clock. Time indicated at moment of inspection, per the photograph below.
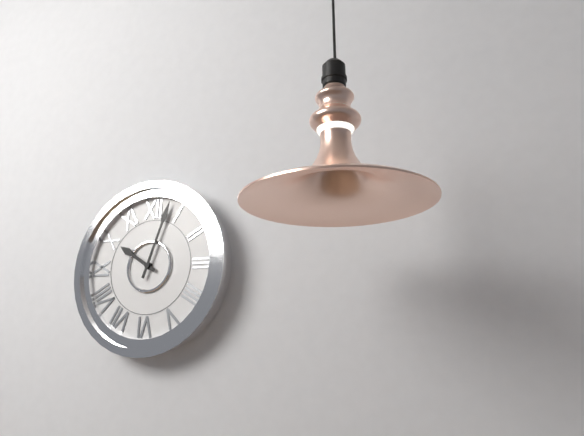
10:03
